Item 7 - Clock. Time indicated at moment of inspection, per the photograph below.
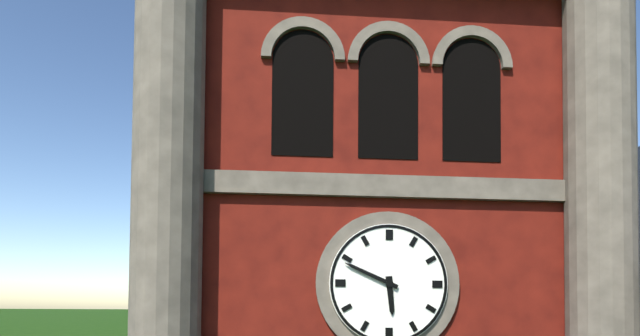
5:49
